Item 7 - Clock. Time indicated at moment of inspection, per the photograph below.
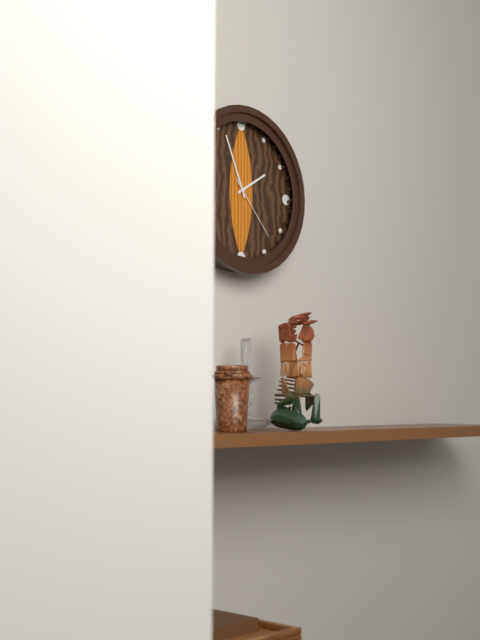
1:56:23
